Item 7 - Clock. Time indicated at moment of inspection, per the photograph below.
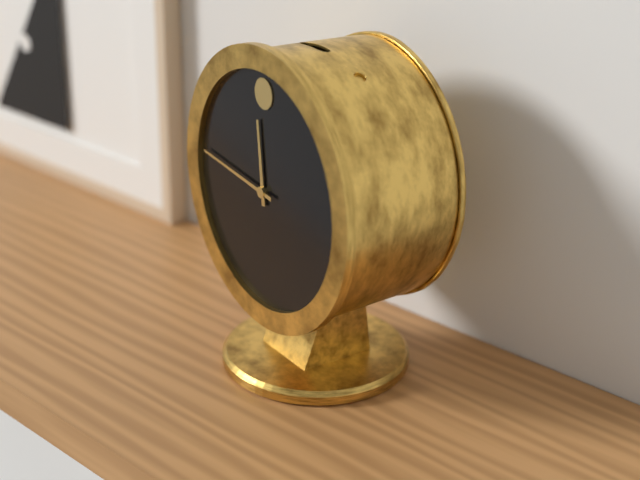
11:46
